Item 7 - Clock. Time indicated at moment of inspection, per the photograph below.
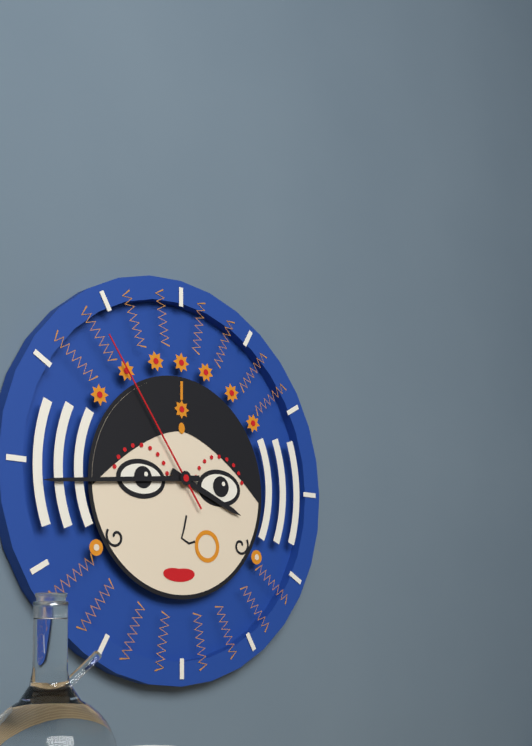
3:44:54
